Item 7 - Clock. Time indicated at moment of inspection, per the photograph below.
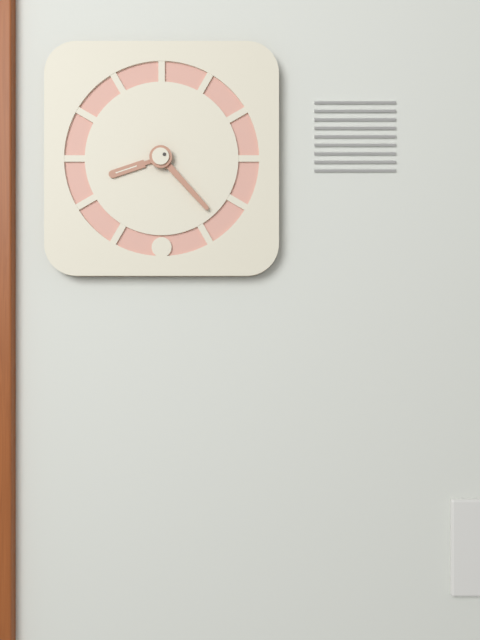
8:23
